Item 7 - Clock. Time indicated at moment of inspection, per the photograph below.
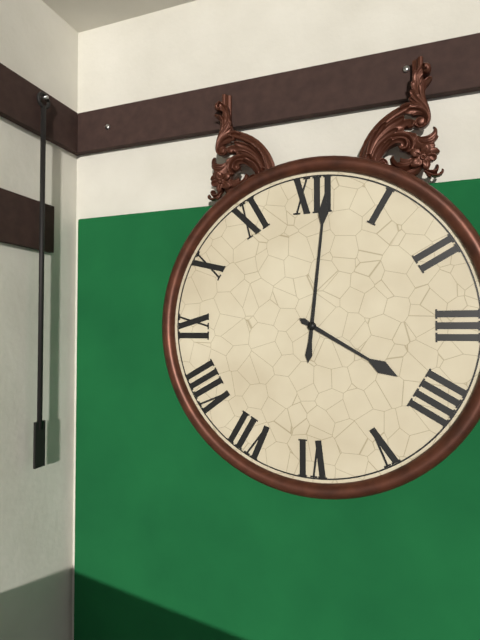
4:01
